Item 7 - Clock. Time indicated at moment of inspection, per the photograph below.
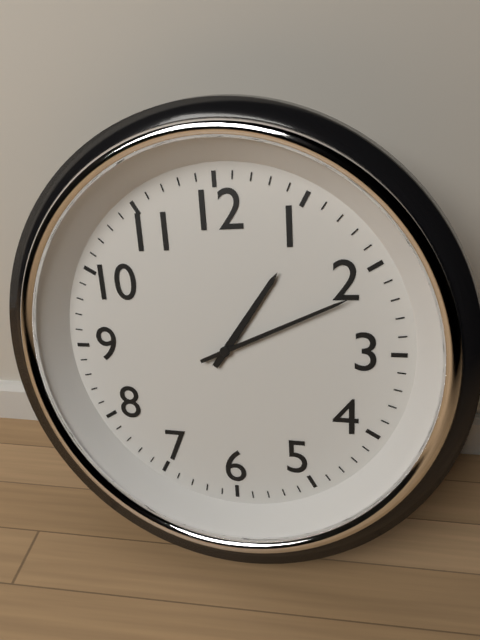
1:11
